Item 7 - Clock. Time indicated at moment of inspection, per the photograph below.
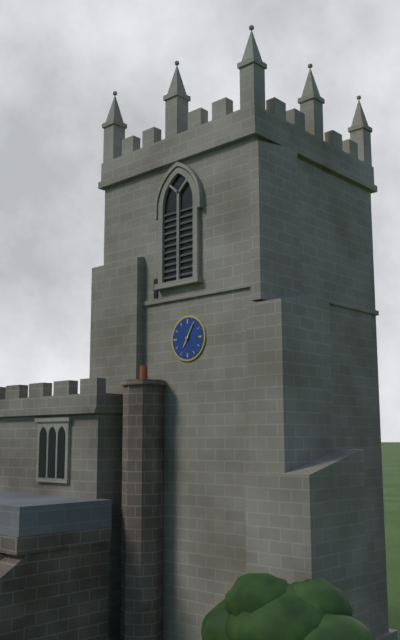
7:05
